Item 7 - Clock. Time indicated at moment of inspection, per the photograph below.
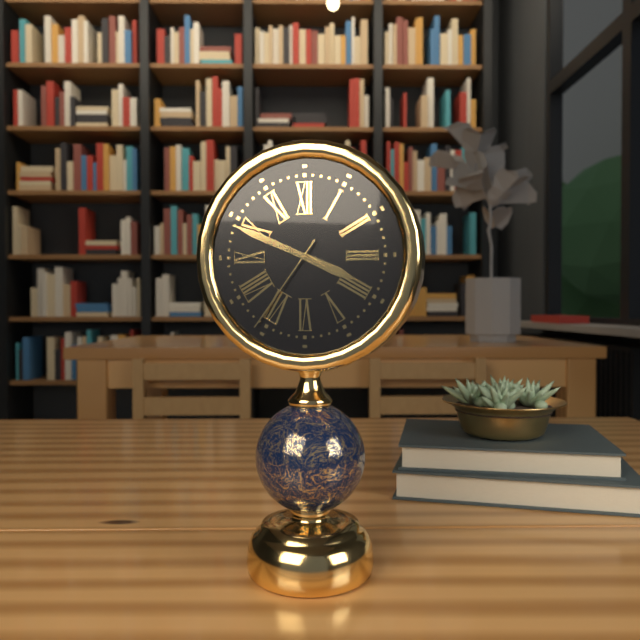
3:49:36
